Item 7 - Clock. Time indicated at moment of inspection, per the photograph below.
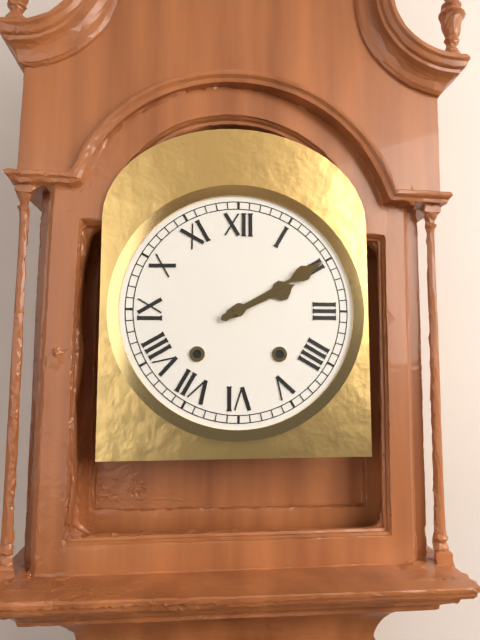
2:10
